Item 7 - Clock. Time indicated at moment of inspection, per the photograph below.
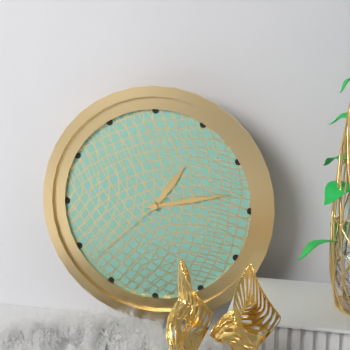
1:13:38
